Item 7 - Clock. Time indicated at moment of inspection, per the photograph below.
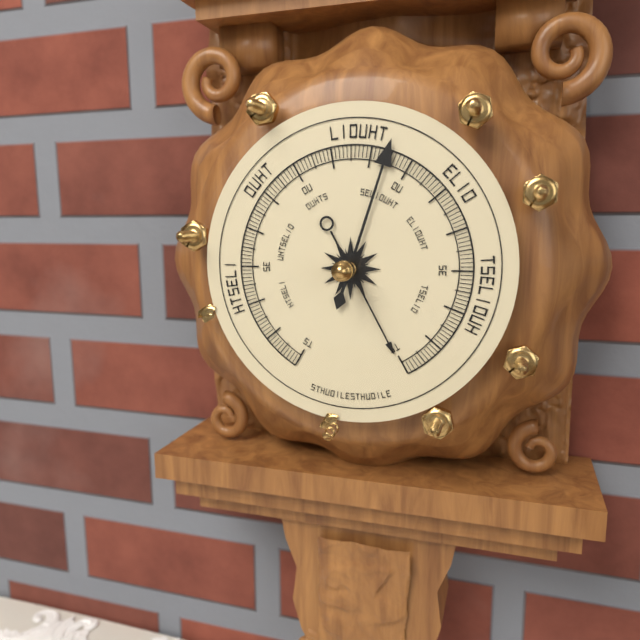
5:03
